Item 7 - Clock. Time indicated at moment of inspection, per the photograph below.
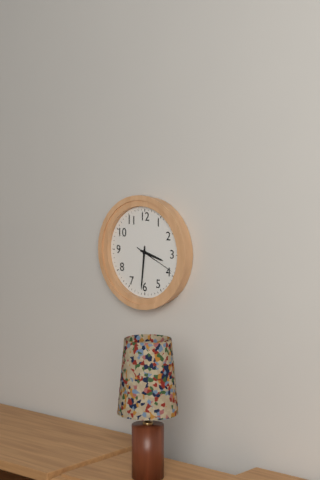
3:31
